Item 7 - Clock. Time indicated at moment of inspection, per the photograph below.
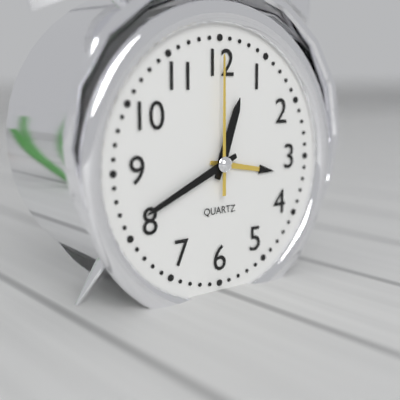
12:41:00
